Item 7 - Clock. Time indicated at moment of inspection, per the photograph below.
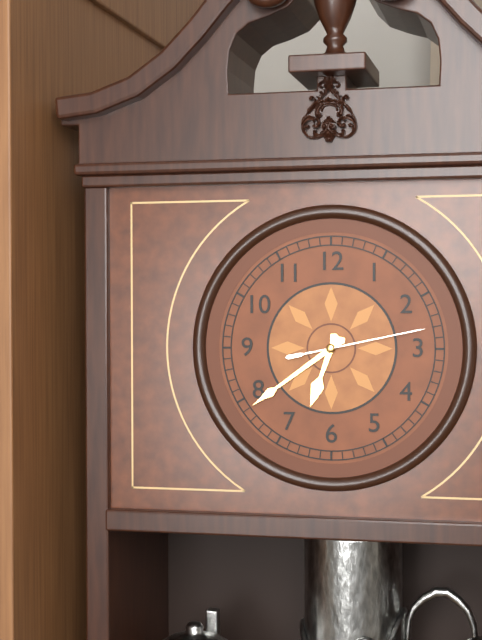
6:39:13
